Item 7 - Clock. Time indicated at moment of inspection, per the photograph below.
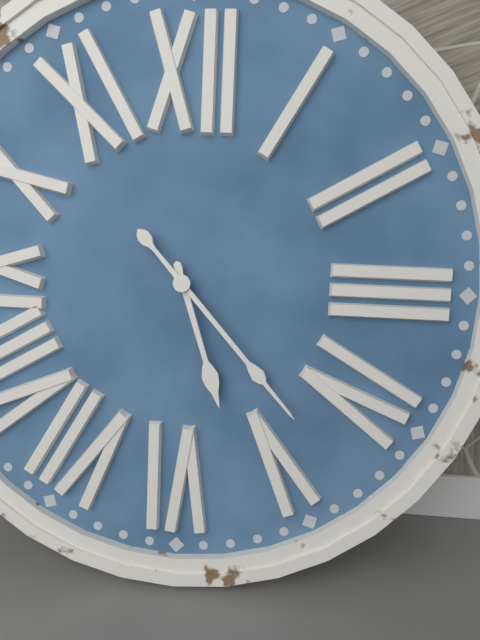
5:23
